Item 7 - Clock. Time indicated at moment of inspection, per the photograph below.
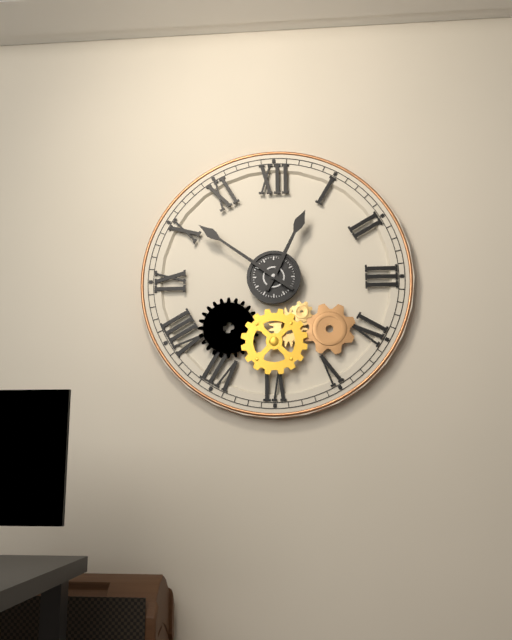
12:51
